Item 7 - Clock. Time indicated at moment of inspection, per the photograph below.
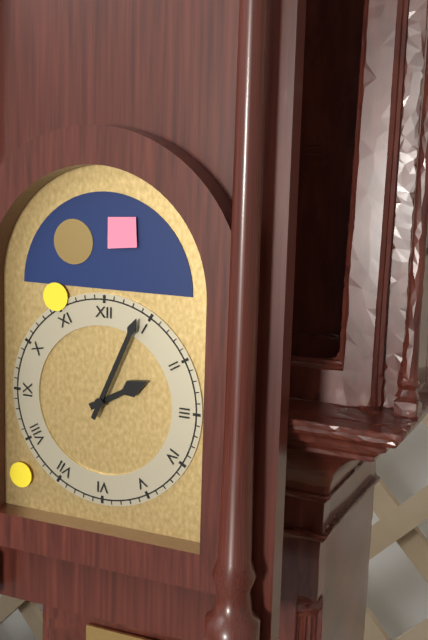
2:04
